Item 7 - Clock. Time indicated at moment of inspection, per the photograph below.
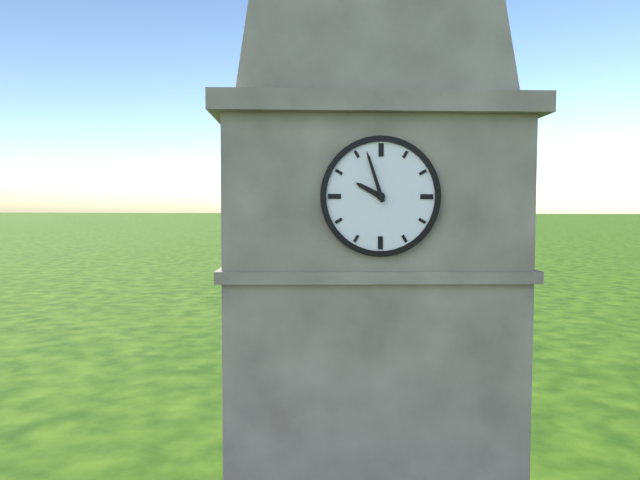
9:57
